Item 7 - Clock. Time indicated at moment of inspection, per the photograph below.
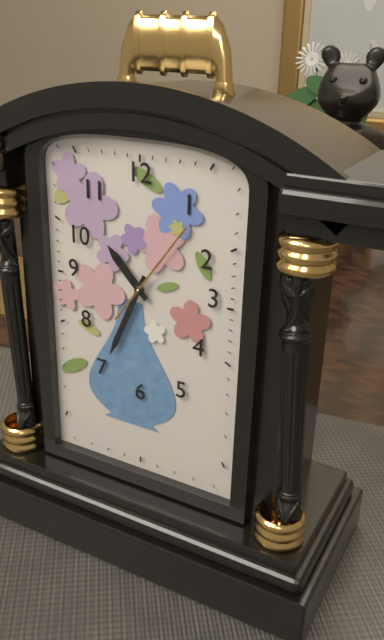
10:34:06
